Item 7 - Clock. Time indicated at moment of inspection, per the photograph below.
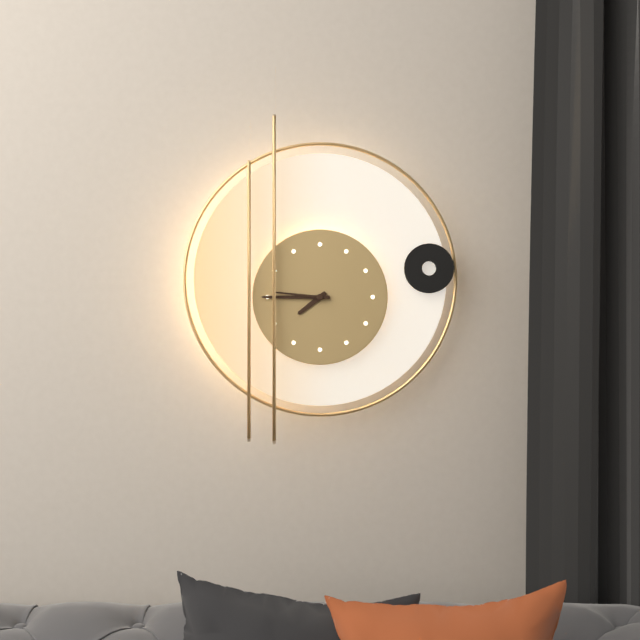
7:45:46
